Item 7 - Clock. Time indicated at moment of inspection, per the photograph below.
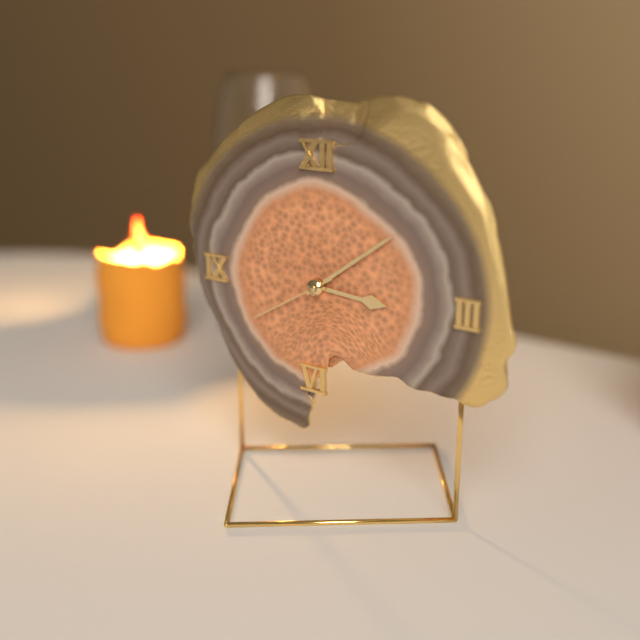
3:09:40
